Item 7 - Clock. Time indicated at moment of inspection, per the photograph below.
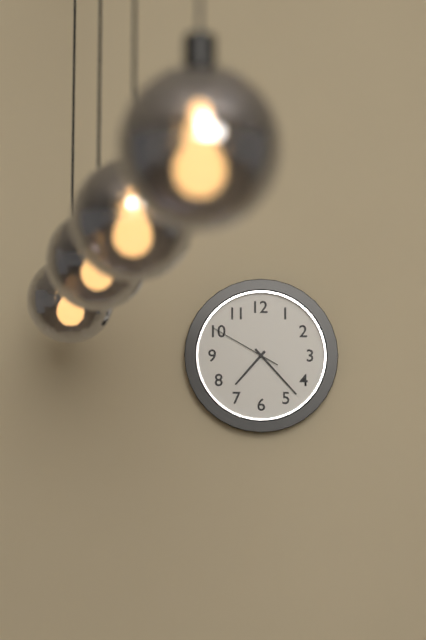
7:23:50
